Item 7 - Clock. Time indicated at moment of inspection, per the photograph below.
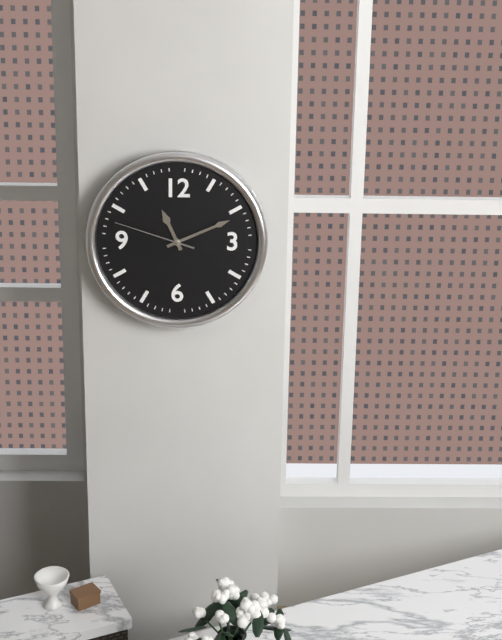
11:11:48
